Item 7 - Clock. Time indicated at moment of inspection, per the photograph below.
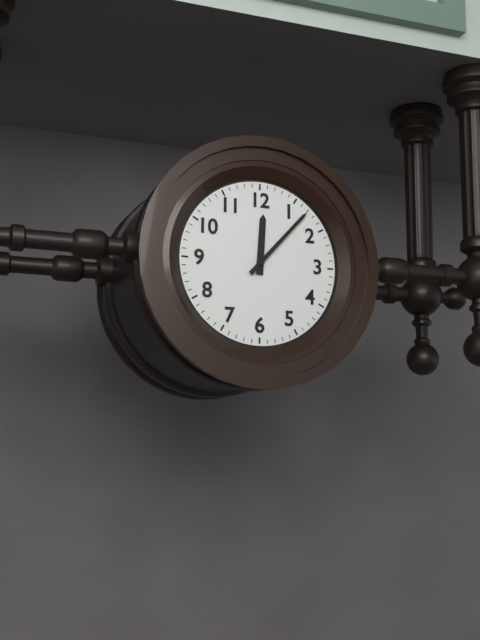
12:07
